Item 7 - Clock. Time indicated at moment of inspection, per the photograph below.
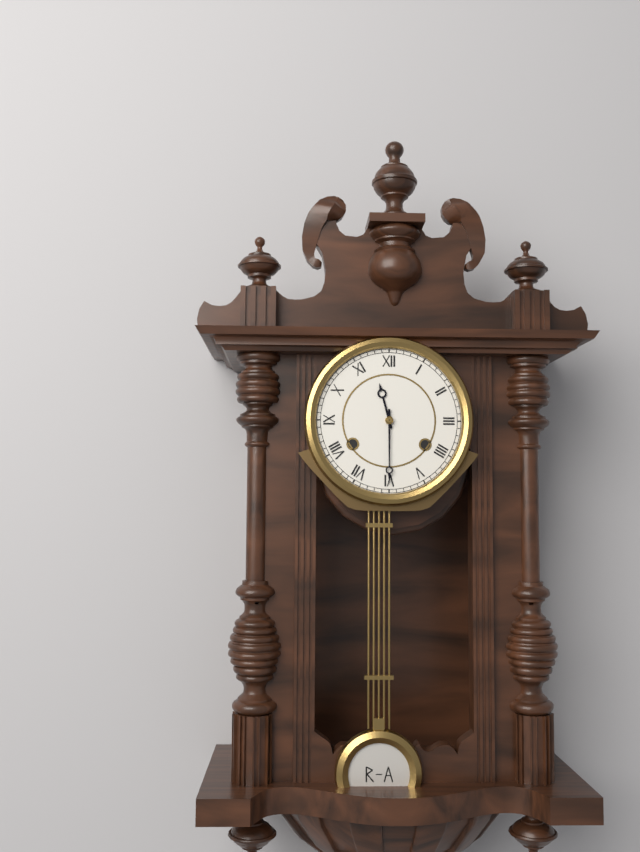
11:30
